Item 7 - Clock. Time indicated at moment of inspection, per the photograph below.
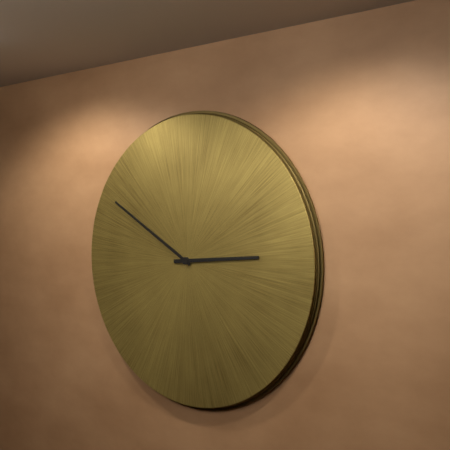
2:50
